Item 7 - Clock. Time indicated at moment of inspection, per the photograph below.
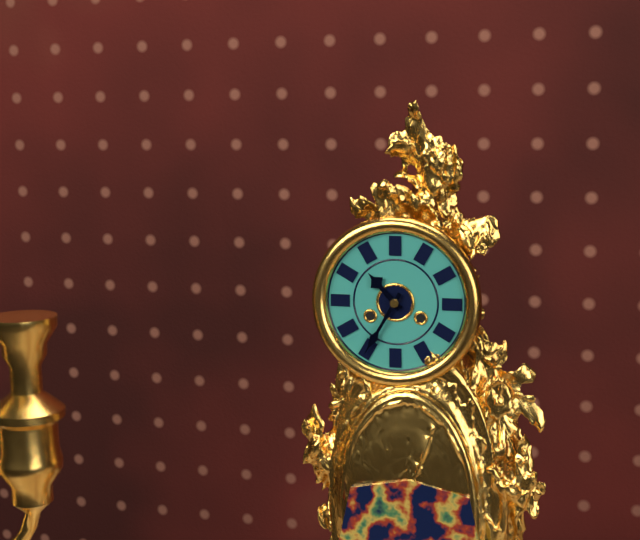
10:35
